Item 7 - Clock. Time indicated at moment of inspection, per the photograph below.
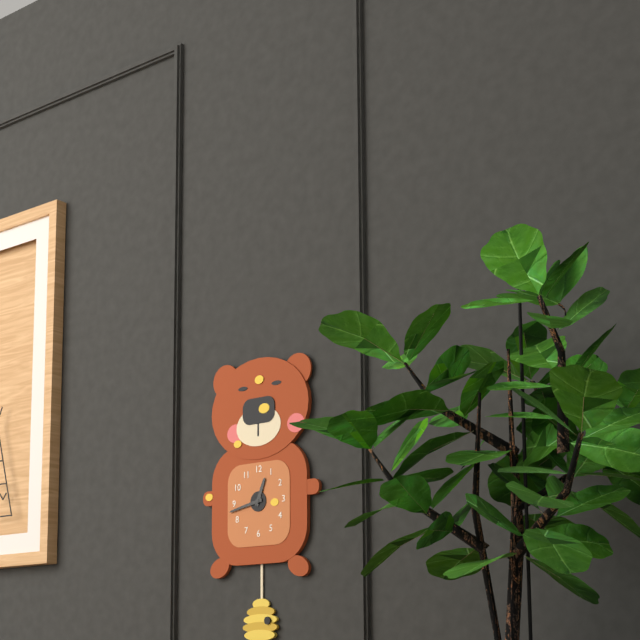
12:43
